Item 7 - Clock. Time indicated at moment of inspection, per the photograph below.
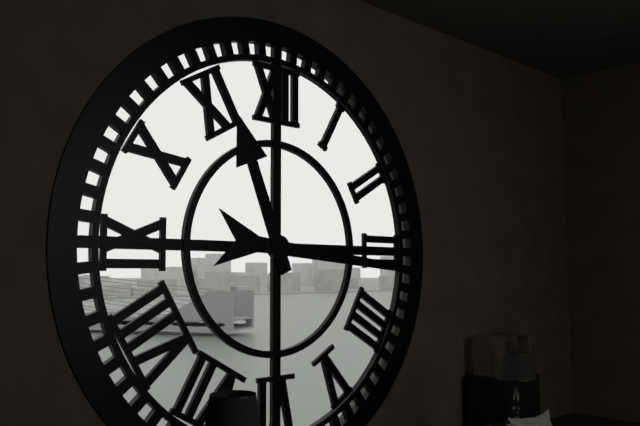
11:16
